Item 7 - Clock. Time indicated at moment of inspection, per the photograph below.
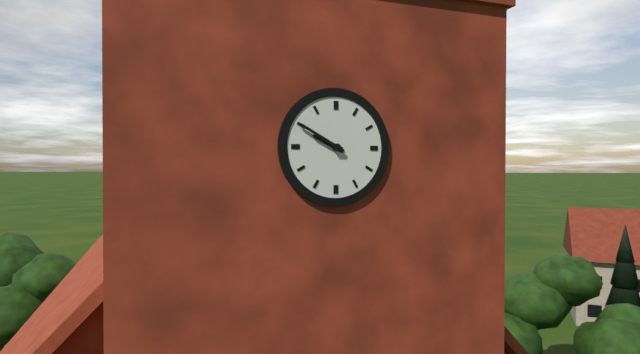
9:50
